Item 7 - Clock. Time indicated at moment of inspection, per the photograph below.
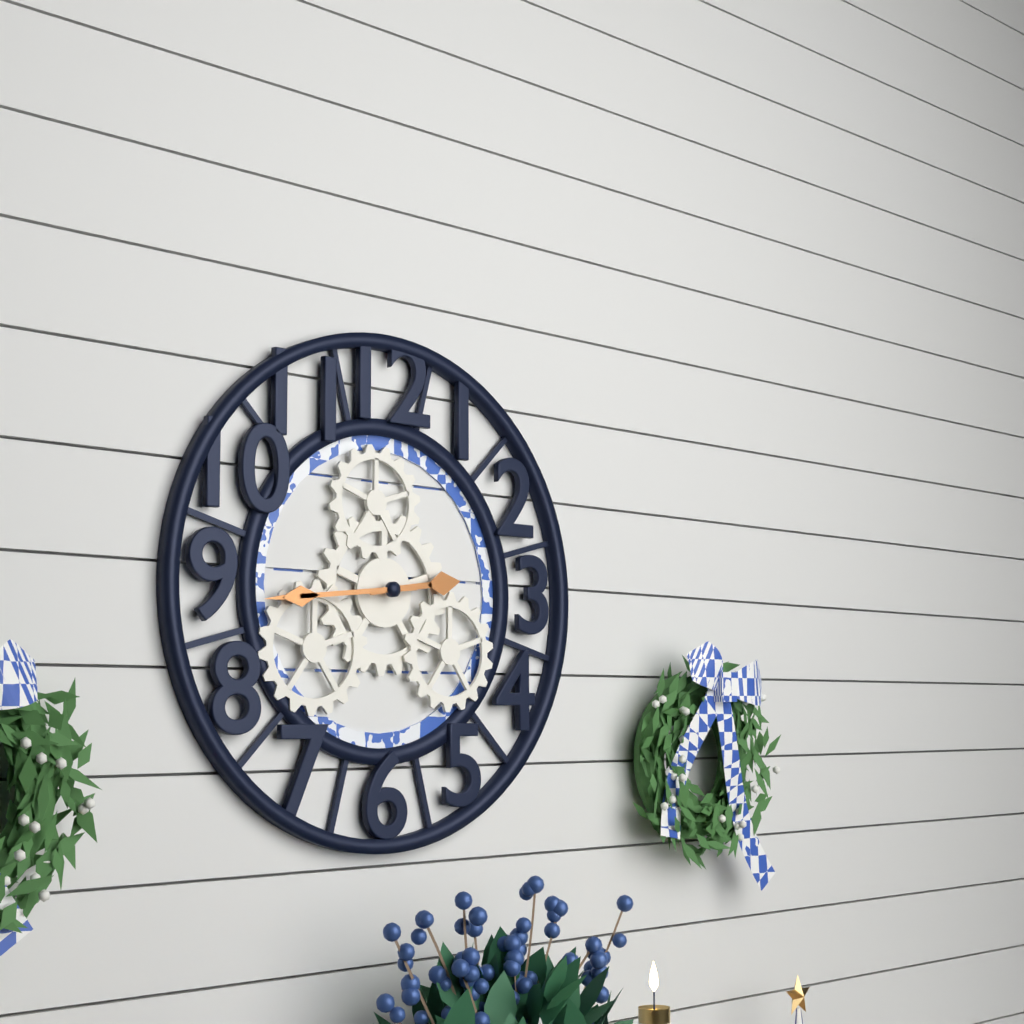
2:44
